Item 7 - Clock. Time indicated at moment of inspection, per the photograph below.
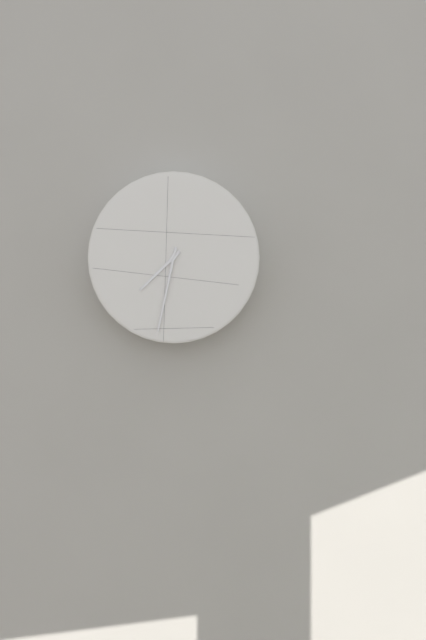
7:32
